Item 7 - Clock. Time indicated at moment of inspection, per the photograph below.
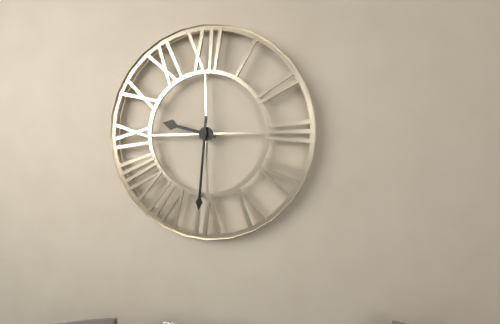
9:31
